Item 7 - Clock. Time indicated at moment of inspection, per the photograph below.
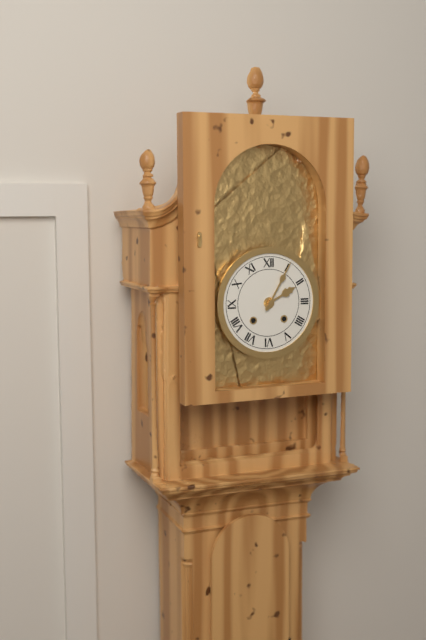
2:05
